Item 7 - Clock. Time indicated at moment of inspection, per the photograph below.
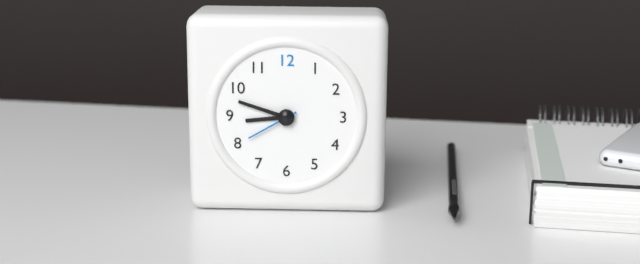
8:48:40
